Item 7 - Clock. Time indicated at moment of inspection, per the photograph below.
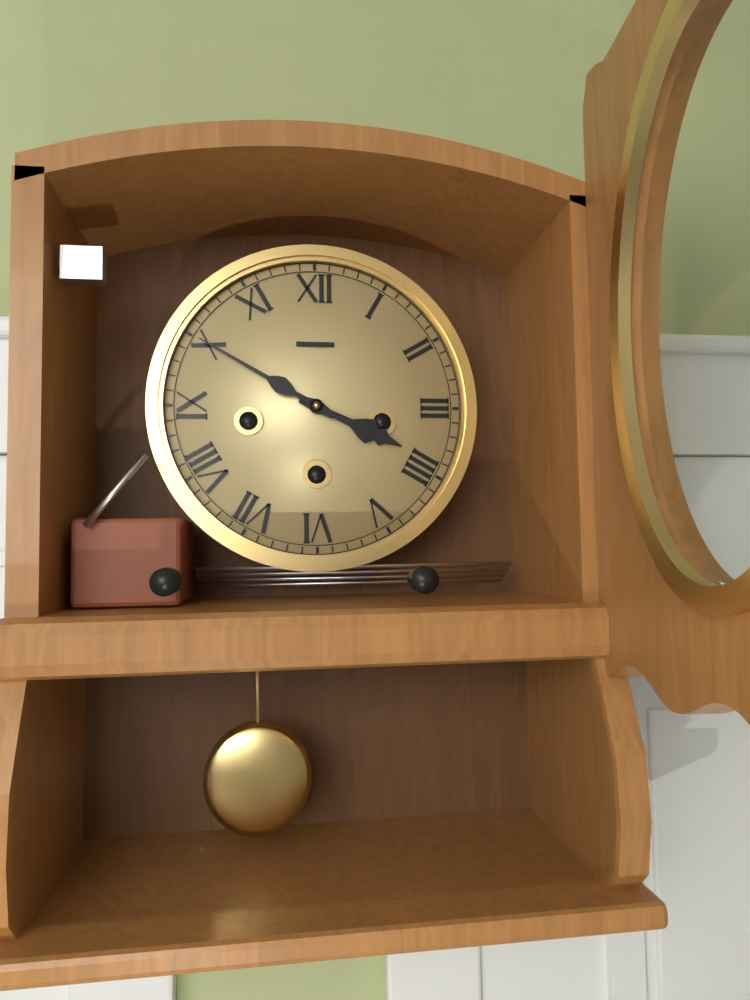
3:50
